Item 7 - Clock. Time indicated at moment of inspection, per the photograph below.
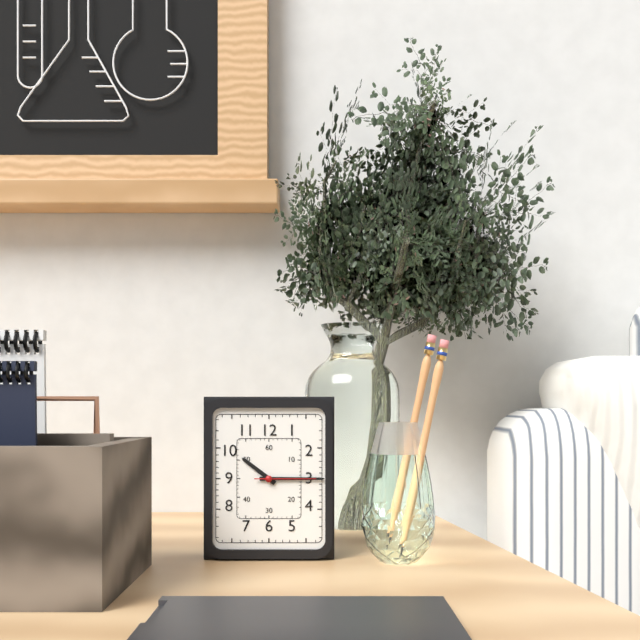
10:15:15
